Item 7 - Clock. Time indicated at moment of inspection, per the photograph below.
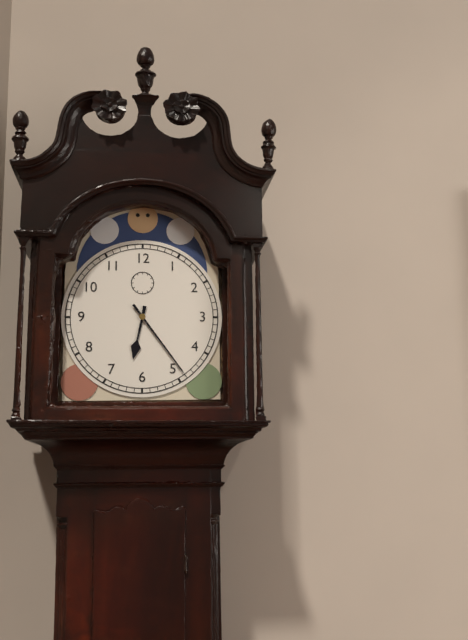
6:24
